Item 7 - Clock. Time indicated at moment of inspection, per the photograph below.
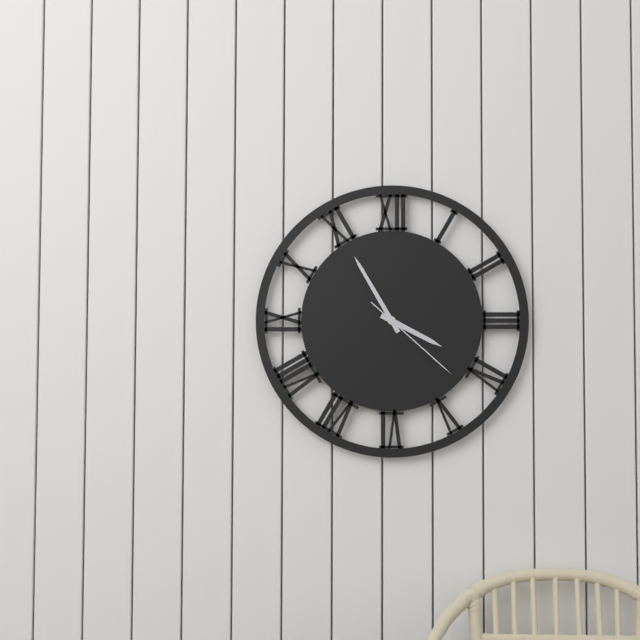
3:55:22
